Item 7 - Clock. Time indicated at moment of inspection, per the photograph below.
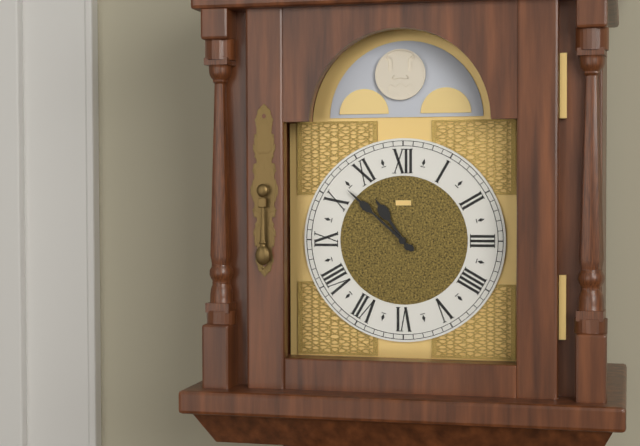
10:52
